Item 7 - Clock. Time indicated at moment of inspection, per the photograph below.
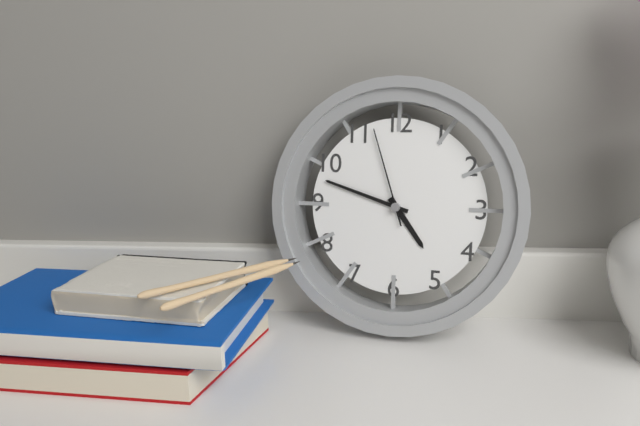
4:48:57
